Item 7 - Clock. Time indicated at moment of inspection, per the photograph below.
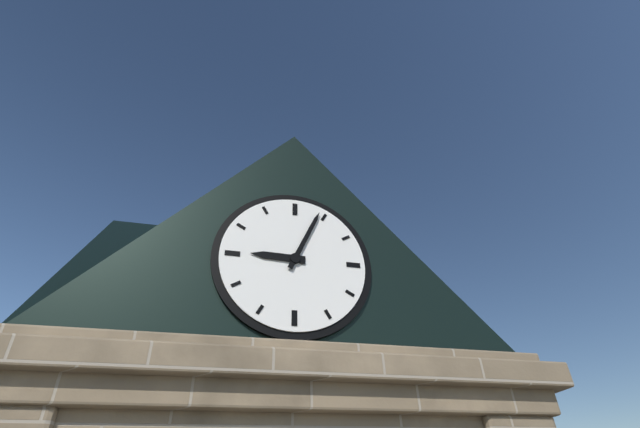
9:04
